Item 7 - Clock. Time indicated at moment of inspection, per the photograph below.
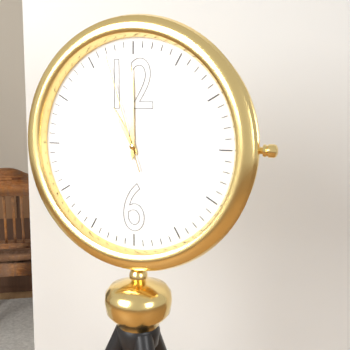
11:00:57
